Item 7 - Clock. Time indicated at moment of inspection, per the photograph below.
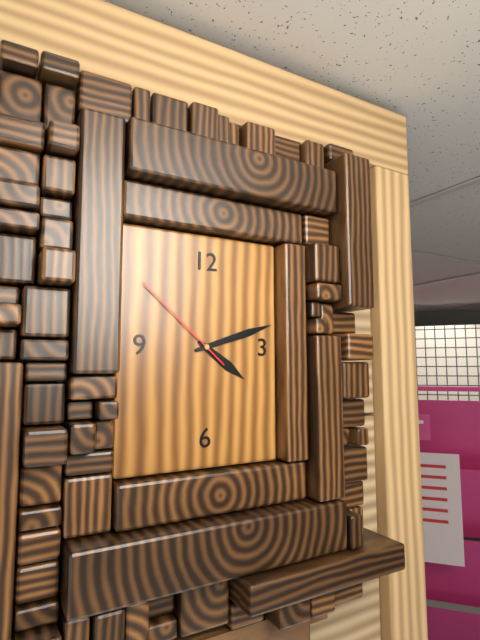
4:12:52
